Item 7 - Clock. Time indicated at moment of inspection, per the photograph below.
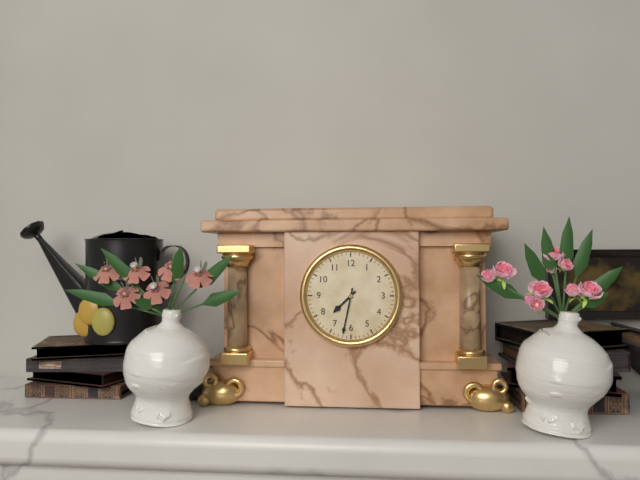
7:32
